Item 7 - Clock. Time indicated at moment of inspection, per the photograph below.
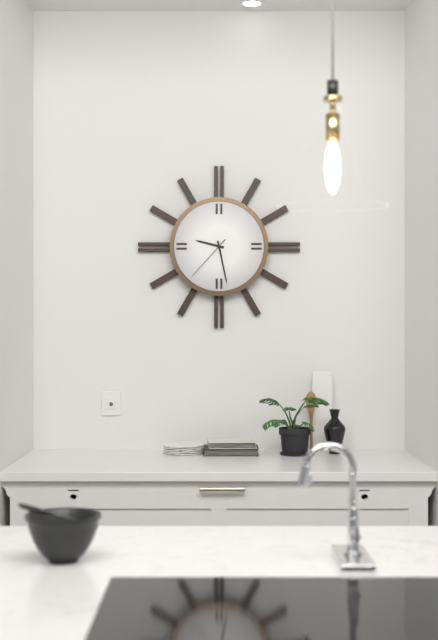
9:28:37
